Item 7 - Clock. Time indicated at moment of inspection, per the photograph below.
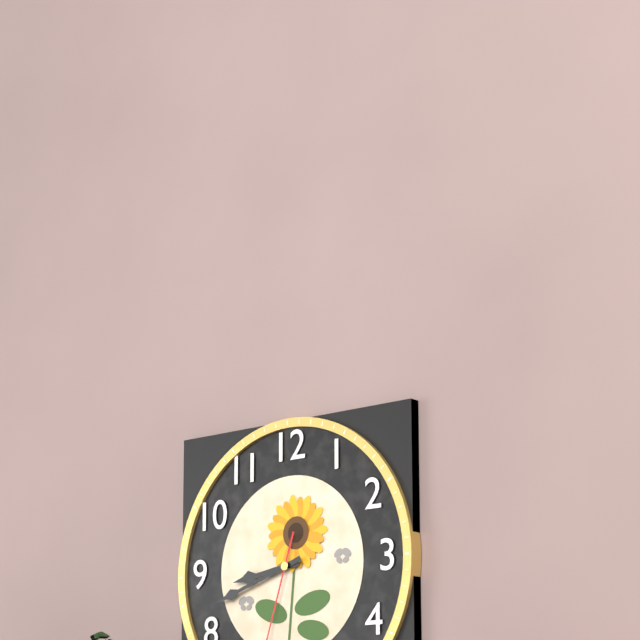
8:42
